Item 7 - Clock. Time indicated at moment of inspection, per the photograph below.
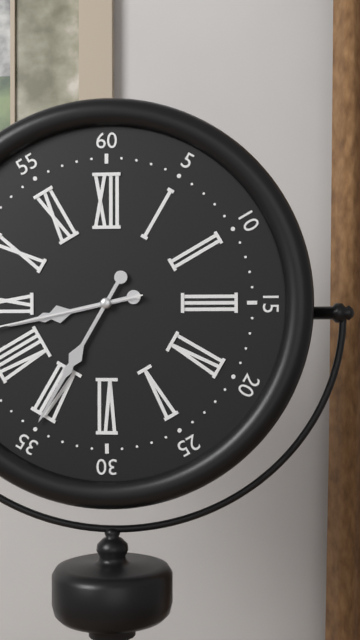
8:35
